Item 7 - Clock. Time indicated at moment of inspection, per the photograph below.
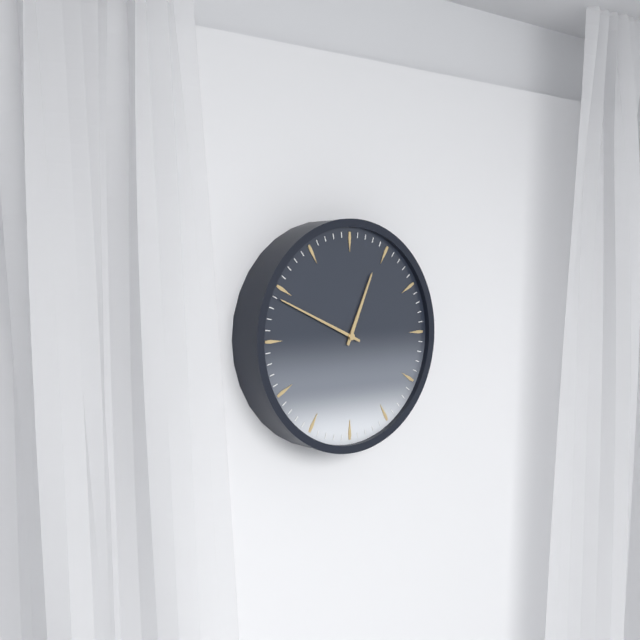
12:49
